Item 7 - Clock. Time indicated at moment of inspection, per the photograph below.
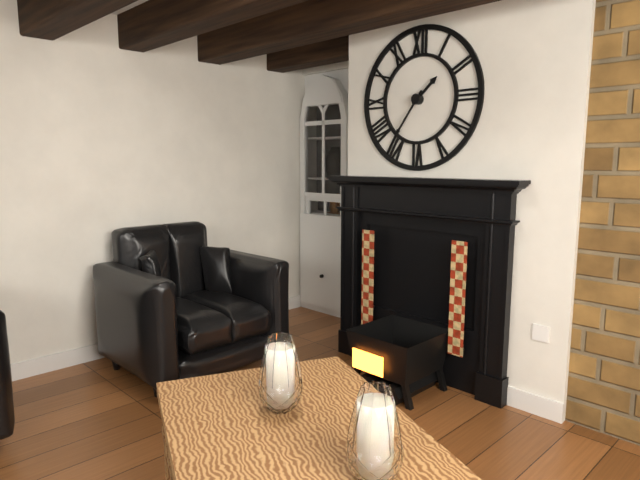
1:36
